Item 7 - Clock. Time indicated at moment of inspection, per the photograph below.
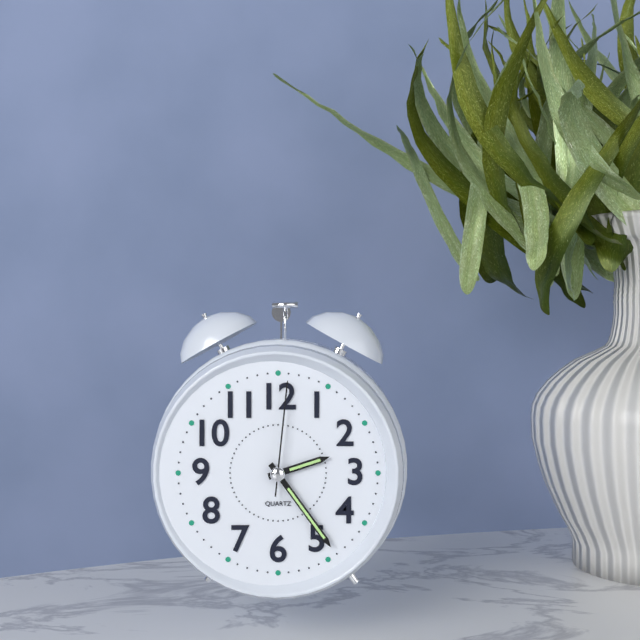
2:24:01
